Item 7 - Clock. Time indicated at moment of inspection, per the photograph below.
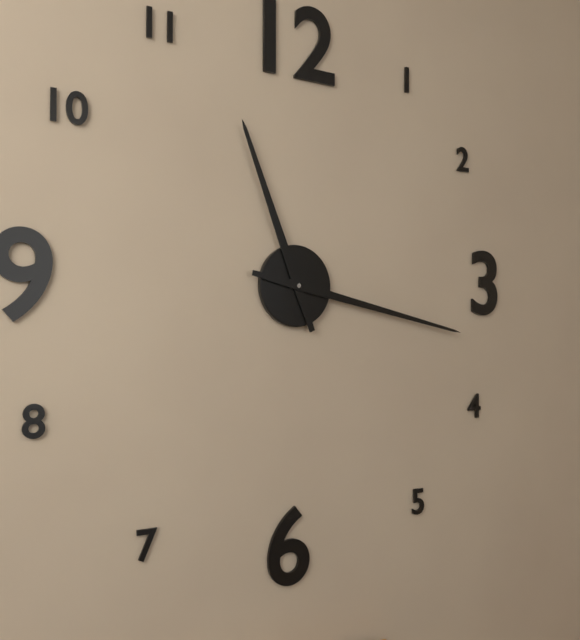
11:17
